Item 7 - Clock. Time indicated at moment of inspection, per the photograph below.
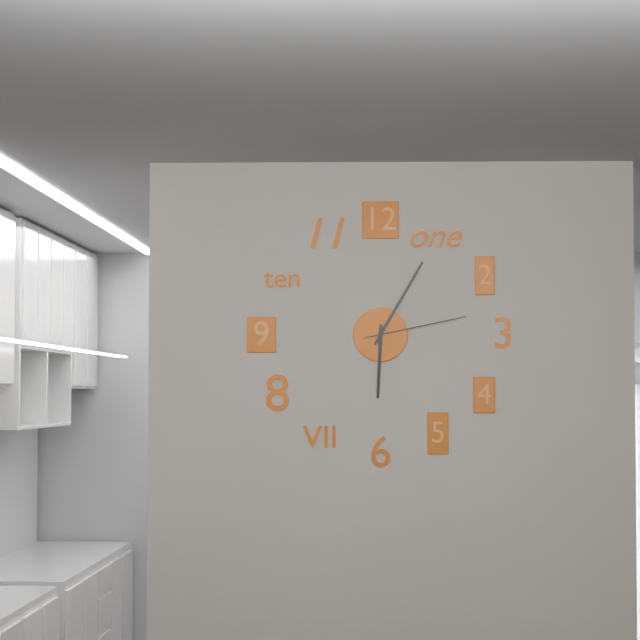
6:05:13
